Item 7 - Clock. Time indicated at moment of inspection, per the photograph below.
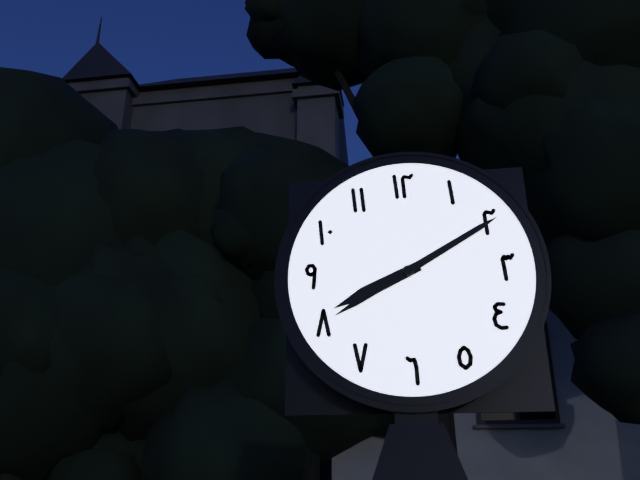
8:10
